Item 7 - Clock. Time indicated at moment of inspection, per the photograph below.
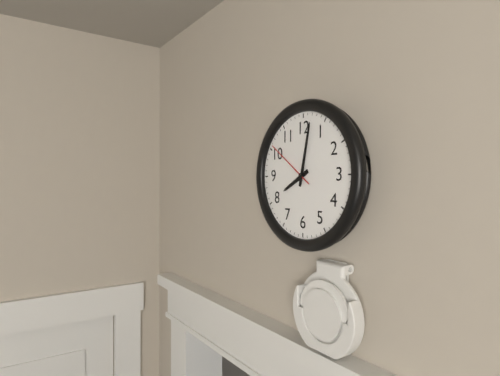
8:02:51
